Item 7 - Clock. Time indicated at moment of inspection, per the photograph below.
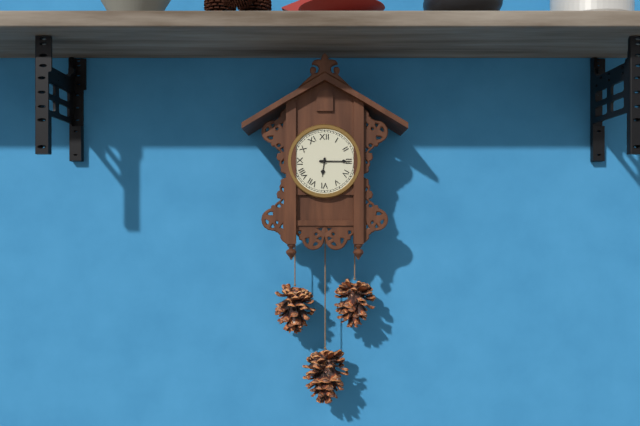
6:15
